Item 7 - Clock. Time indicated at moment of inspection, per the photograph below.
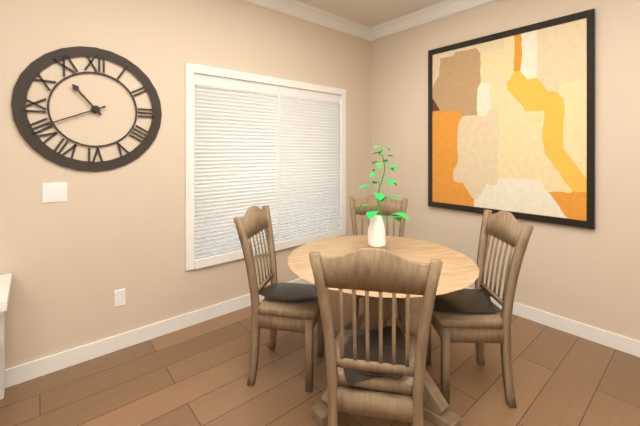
10:41
